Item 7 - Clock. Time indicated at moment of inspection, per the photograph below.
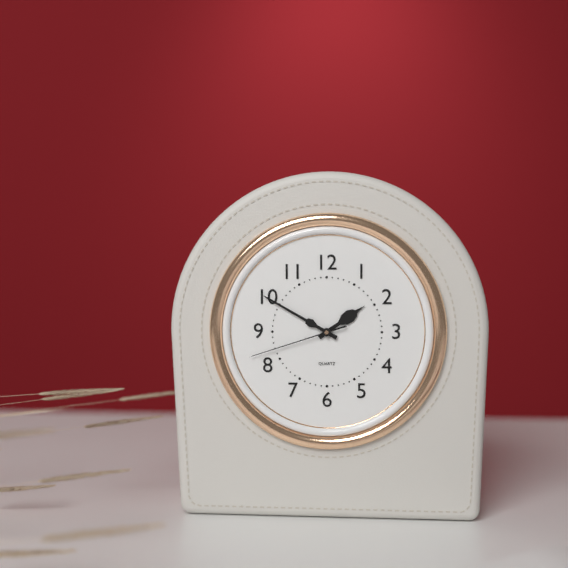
1:50:42
